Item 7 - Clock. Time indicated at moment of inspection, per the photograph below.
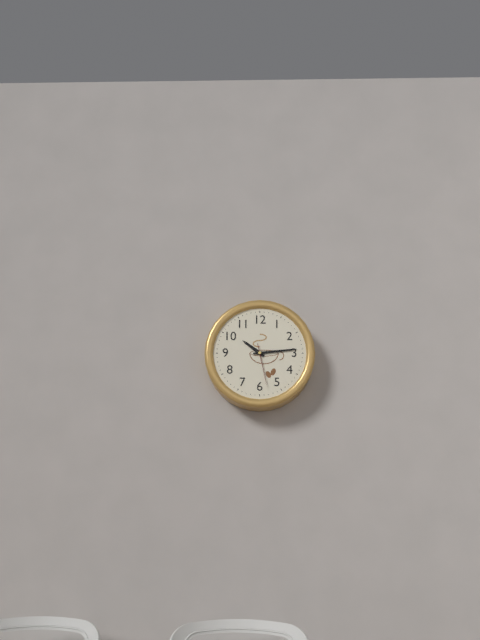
10:14
